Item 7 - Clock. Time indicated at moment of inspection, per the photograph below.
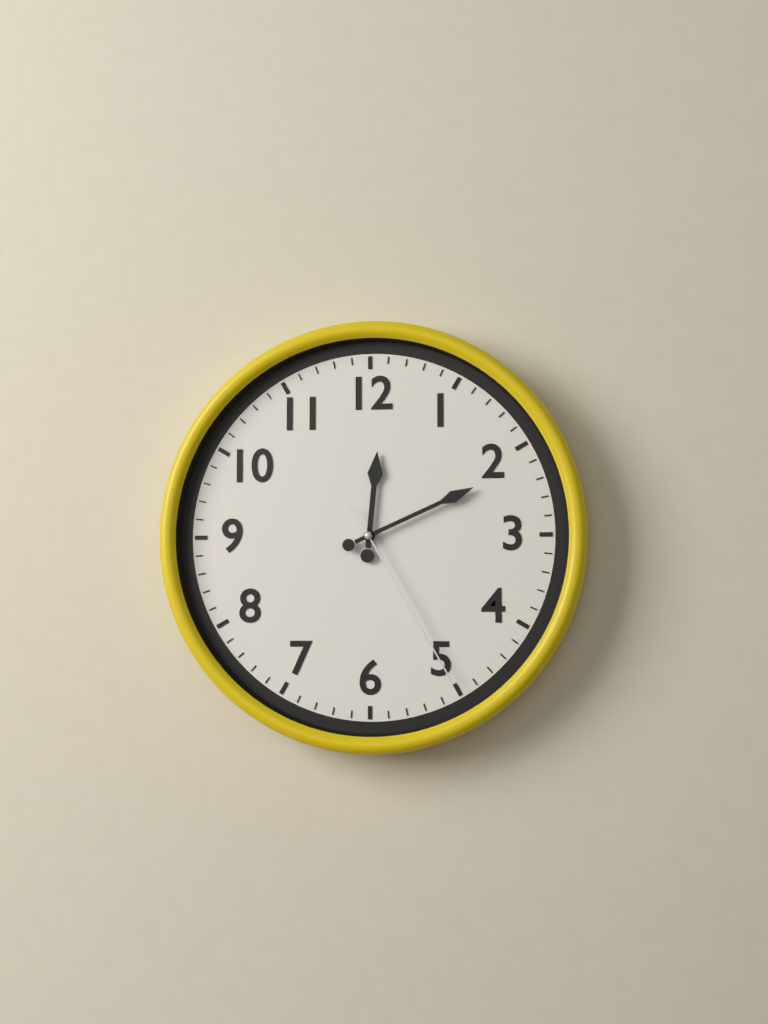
12:11:25
